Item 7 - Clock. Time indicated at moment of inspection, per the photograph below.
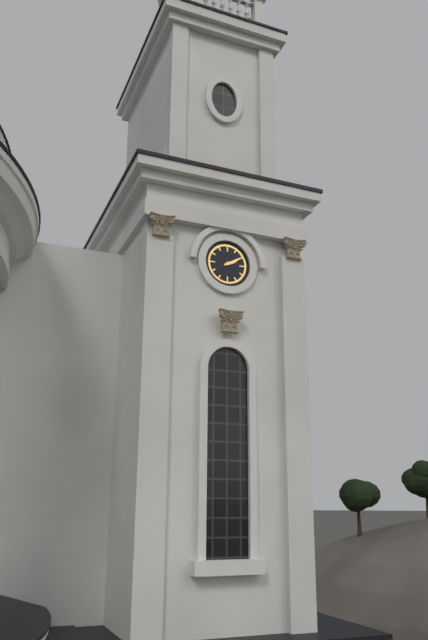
2:10
